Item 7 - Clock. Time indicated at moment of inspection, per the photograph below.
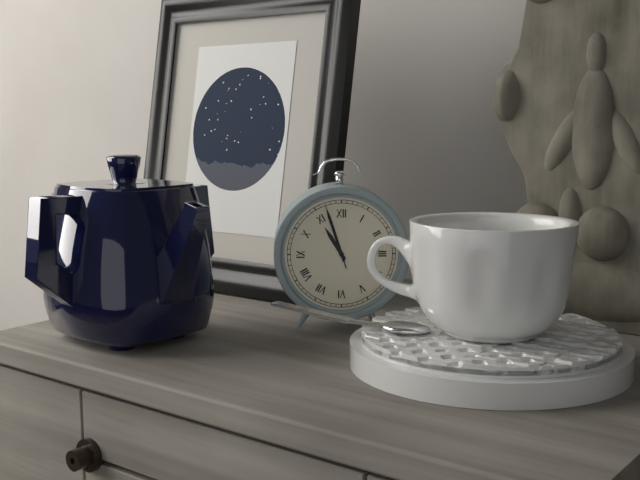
10:57:57
